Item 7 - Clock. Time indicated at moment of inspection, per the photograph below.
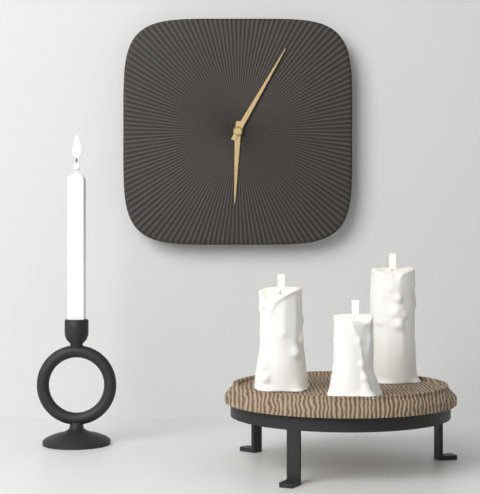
6:05
